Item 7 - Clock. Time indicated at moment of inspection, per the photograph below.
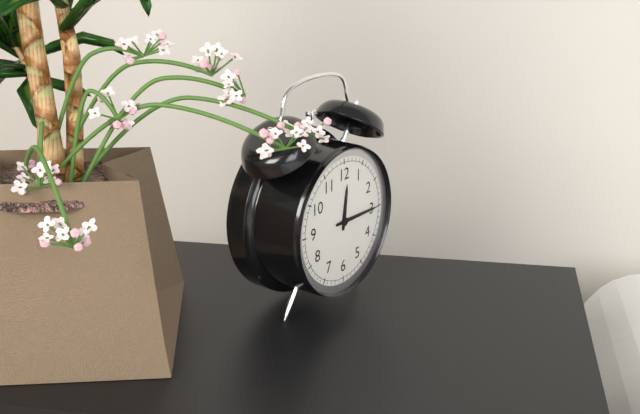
12:15
